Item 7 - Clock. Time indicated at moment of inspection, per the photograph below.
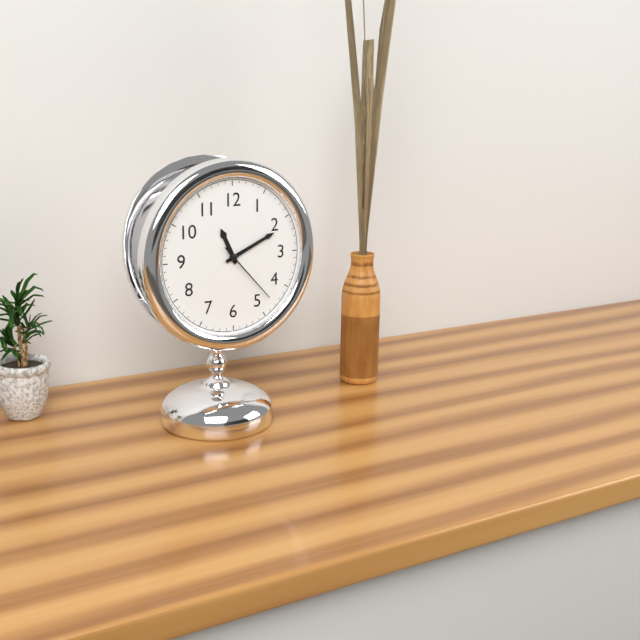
11:11:23
